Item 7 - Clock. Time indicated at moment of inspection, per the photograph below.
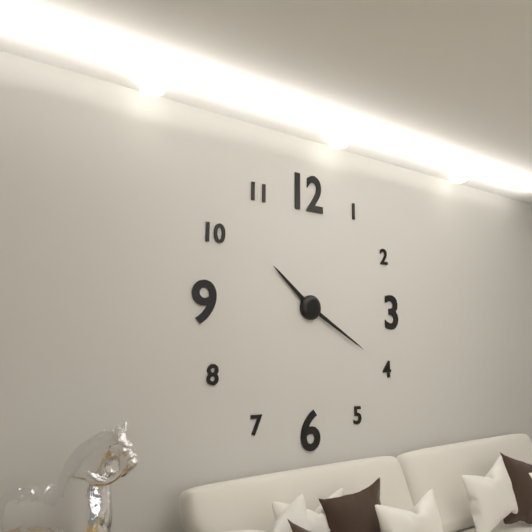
10:20
